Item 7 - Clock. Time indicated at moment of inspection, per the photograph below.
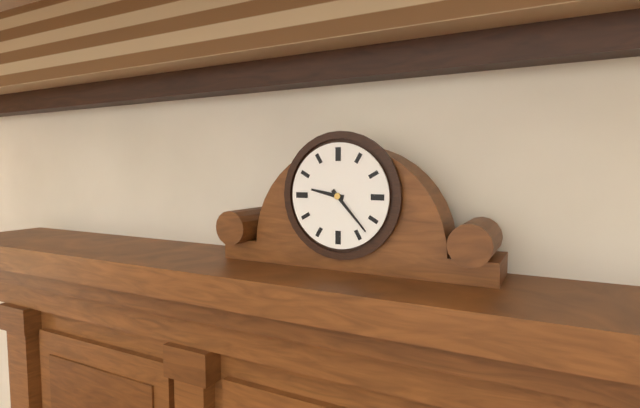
9:23
